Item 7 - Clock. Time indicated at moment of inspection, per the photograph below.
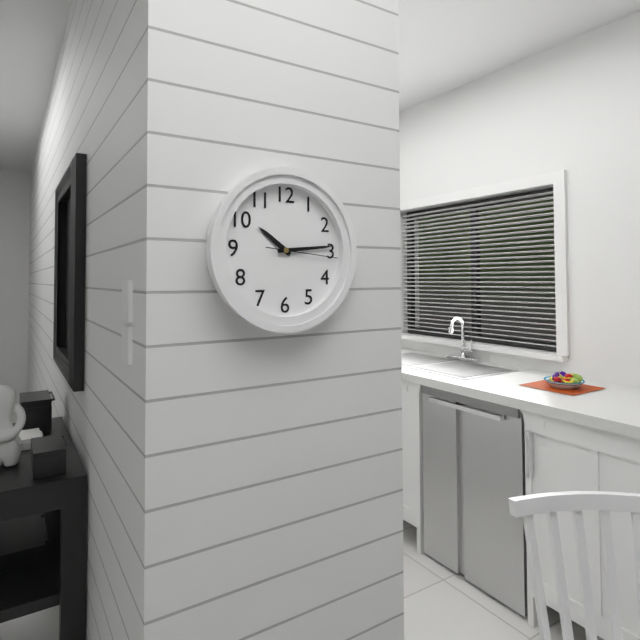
10:14:16
